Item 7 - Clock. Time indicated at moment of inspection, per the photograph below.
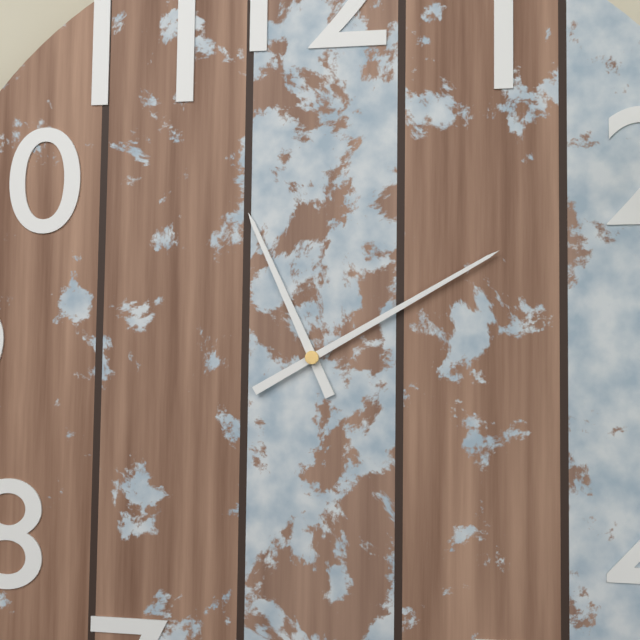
11:10
